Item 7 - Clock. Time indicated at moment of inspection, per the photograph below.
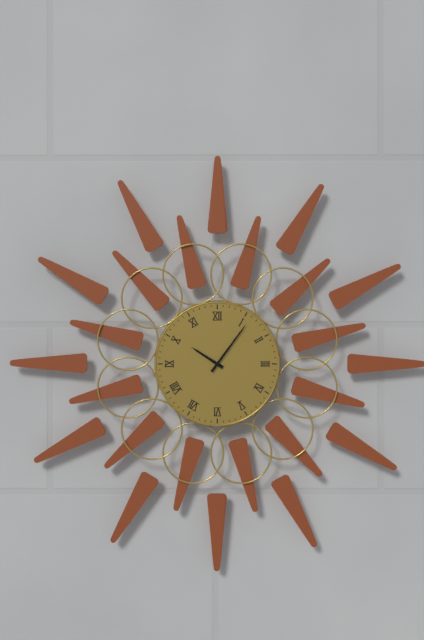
10:06
